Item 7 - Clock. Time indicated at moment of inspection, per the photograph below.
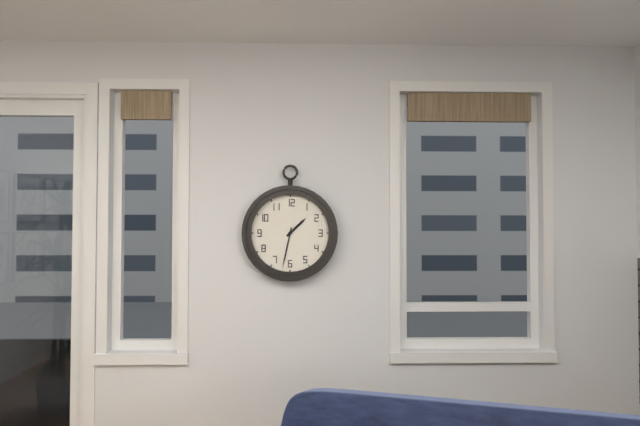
1:32
